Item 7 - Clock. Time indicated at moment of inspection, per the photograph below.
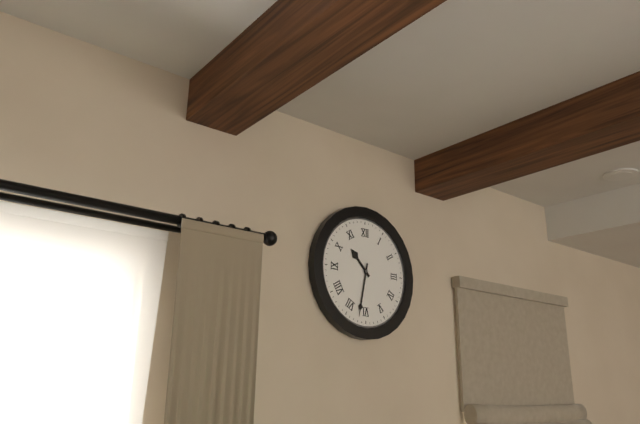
10:32
